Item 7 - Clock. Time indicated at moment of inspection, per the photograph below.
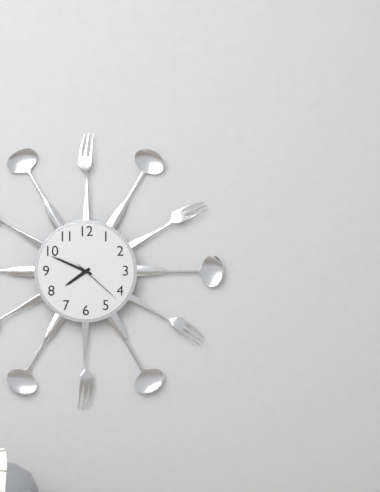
7:49:22
